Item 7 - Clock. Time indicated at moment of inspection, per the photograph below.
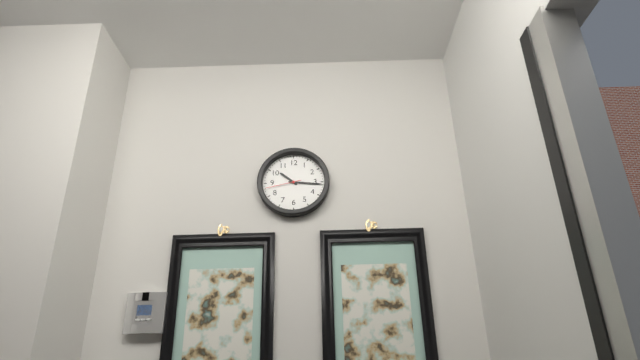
10:16
